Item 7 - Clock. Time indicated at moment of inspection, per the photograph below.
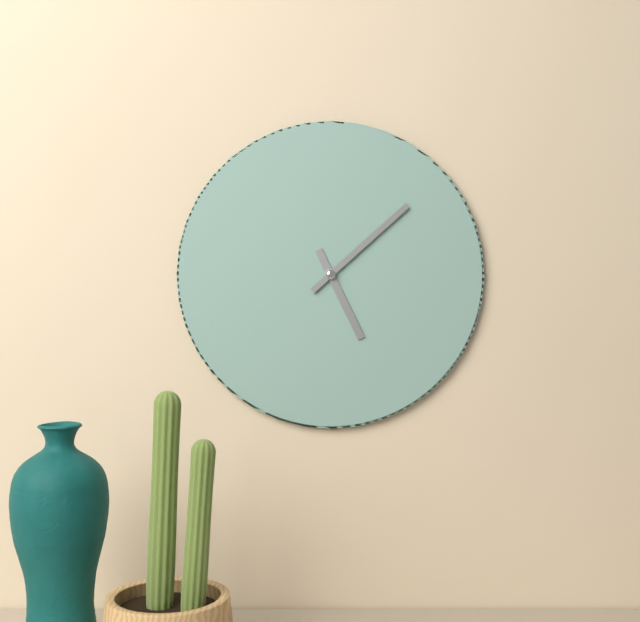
5:08
